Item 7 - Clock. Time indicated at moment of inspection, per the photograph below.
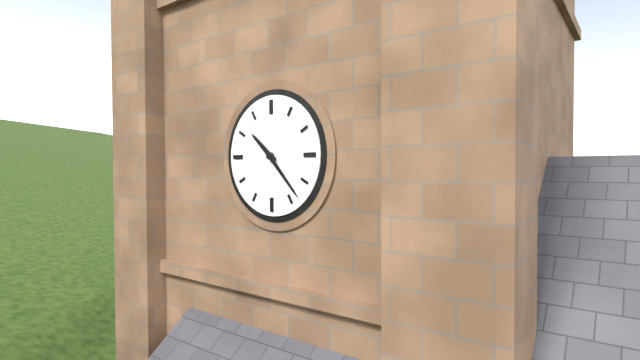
10:23
